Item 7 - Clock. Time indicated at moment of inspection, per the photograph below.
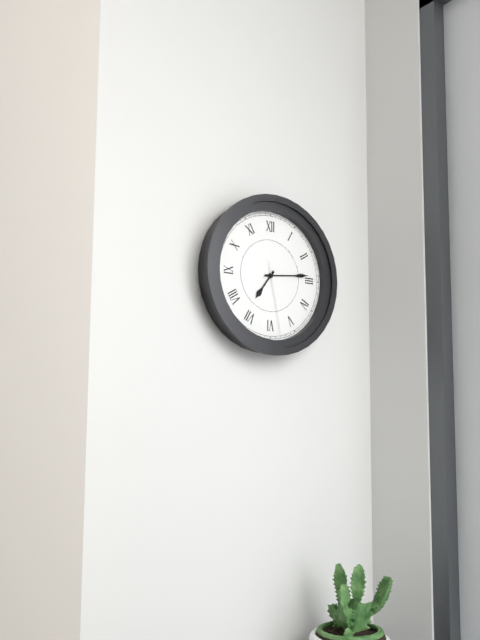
7:14:28
